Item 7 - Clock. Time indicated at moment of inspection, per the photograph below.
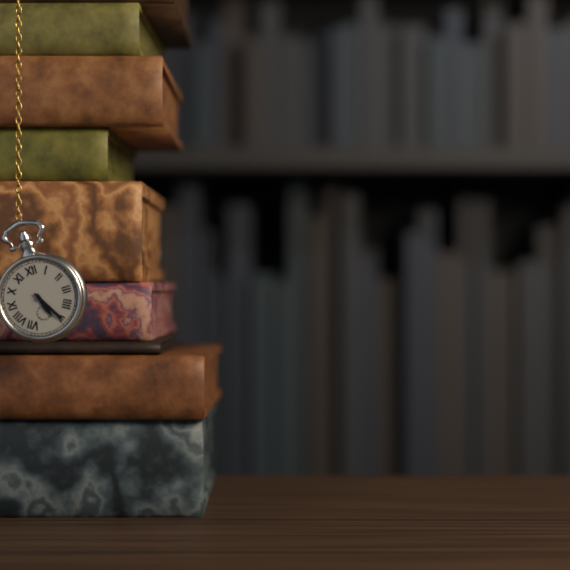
5:25
